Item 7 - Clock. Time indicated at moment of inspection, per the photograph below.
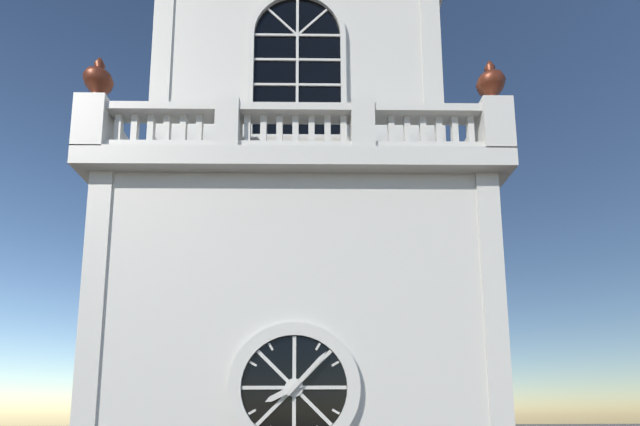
8:07
